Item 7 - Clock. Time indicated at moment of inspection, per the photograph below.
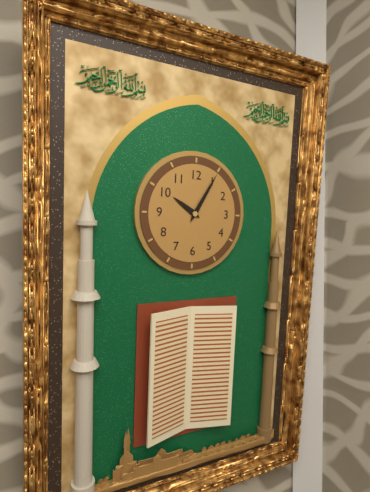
10:05
